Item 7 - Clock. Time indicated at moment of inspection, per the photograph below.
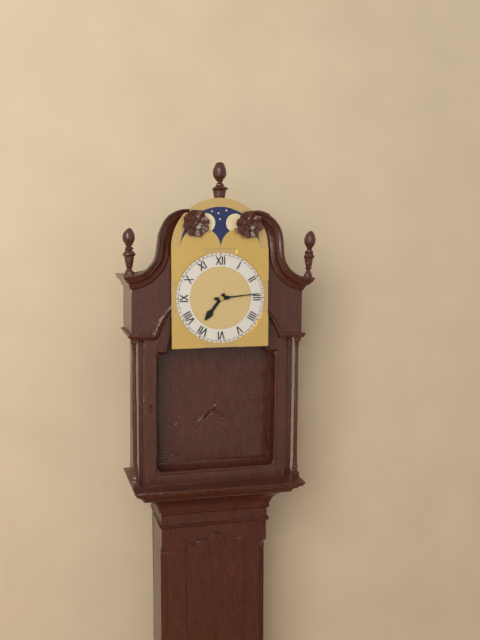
7:14
